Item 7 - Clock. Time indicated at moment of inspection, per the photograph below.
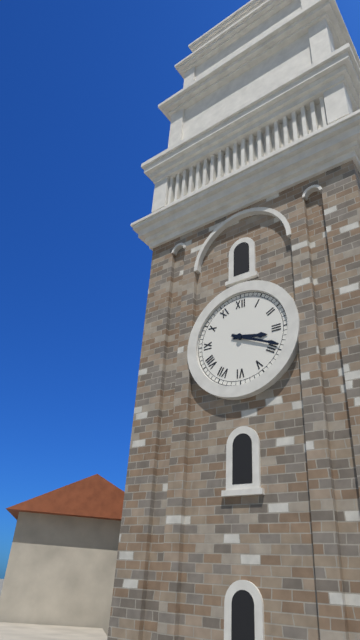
3:19
